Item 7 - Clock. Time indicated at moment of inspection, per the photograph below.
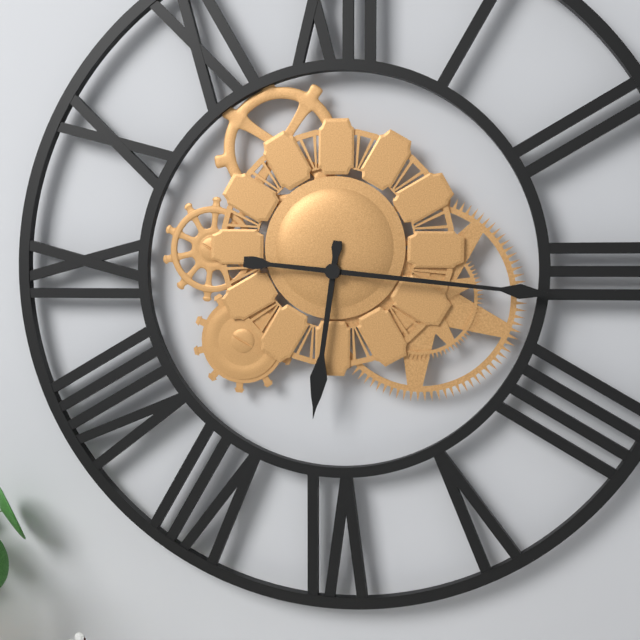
6:16
